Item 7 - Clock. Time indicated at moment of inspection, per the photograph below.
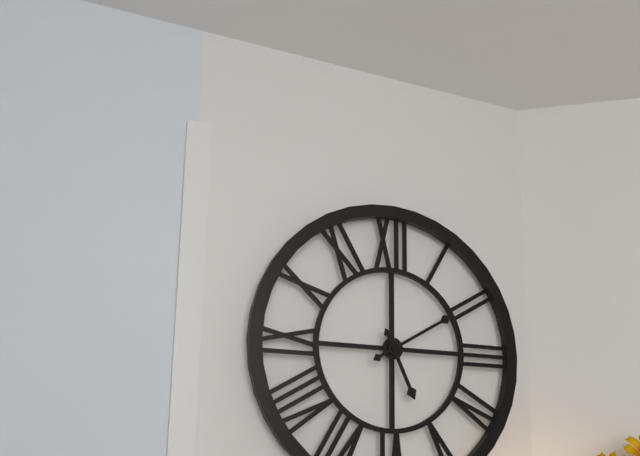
5:10
